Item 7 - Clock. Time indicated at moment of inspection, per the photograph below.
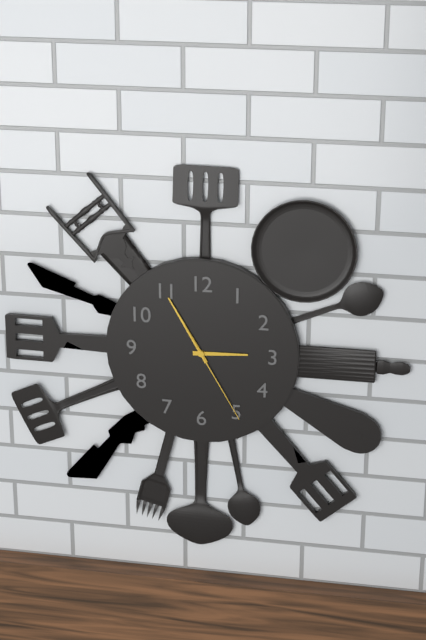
2:55:25
